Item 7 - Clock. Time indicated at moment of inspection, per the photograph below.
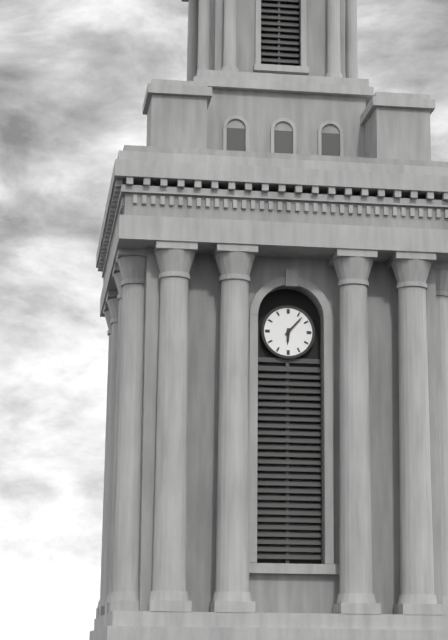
6:07
